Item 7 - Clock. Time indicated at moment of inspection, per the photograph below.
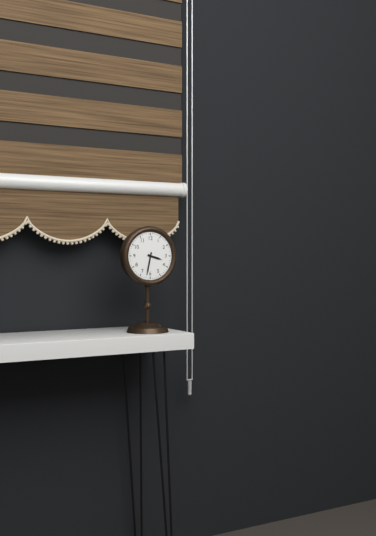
3:32
